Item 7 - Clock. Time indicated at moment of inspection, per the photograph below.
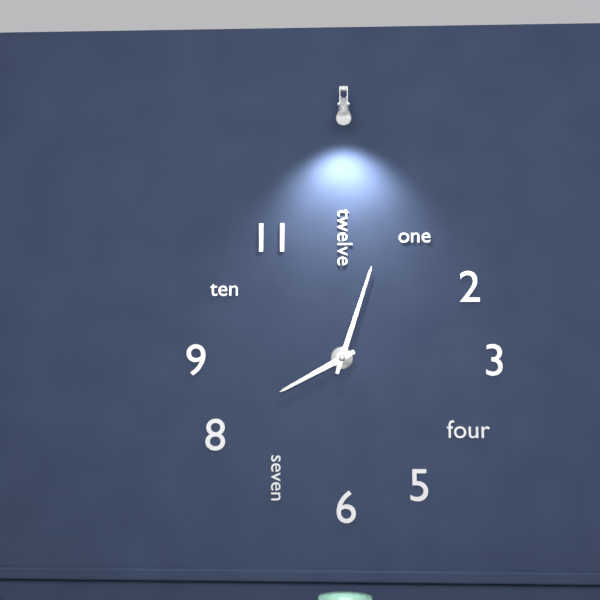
8:03
